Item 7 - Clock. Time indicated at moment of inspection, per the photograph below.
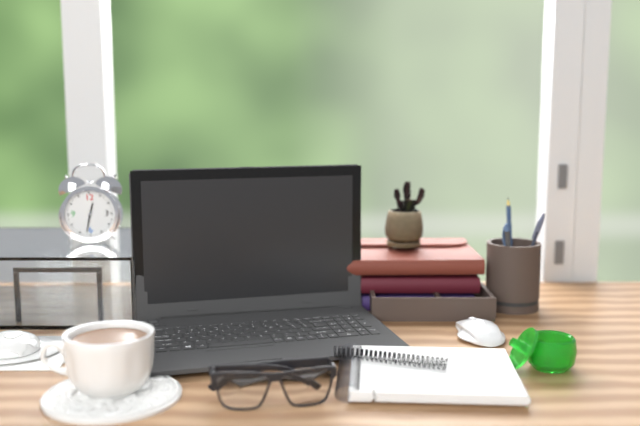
12:32
